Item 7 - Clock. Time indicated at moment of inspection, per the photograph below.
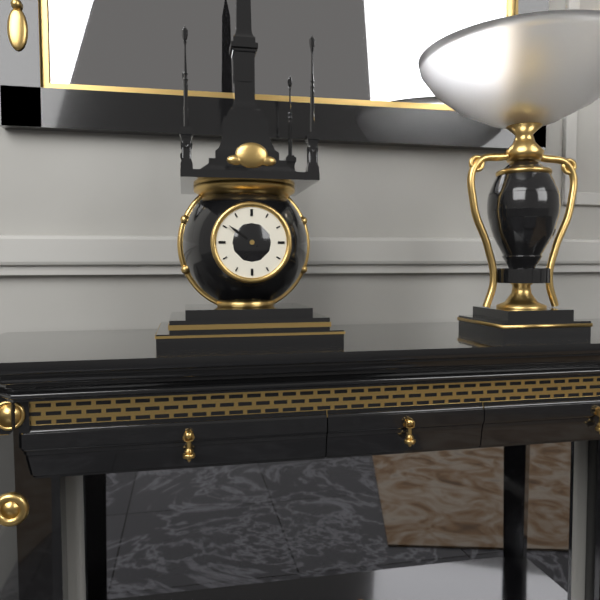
6:51
